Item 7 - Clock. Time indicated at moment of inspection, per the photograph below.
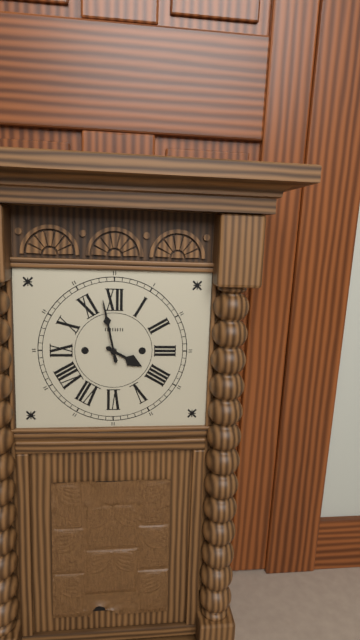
3:58
